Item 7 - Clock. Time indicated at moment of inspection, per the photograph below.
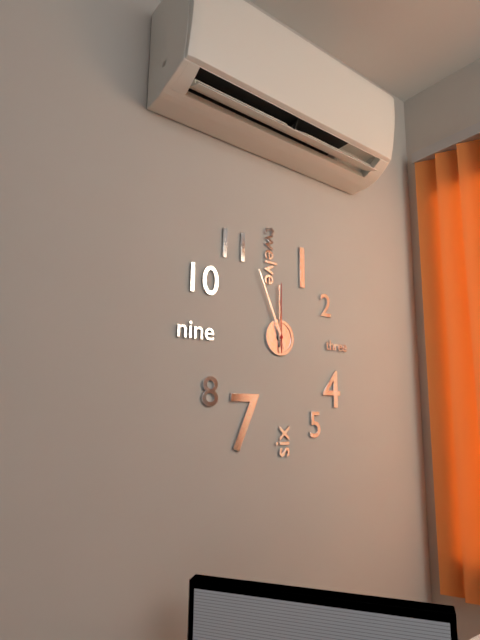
11:56:00
